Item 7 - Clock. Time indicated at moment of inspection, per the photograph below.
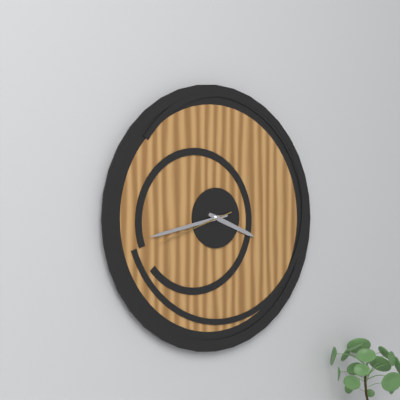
3:43:42
